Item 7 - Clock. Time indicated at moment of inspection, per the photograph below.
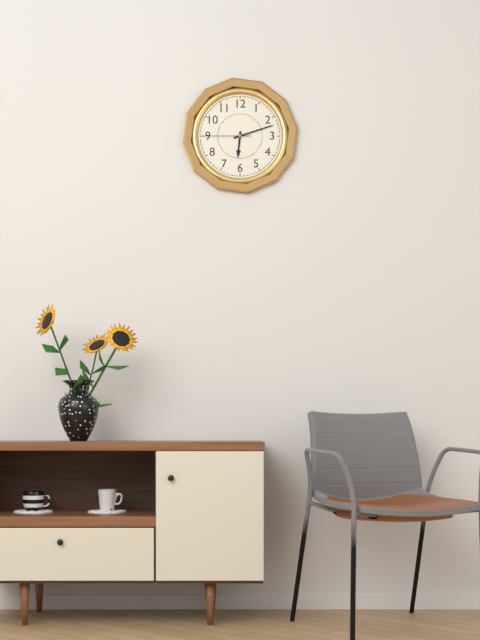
6:12
